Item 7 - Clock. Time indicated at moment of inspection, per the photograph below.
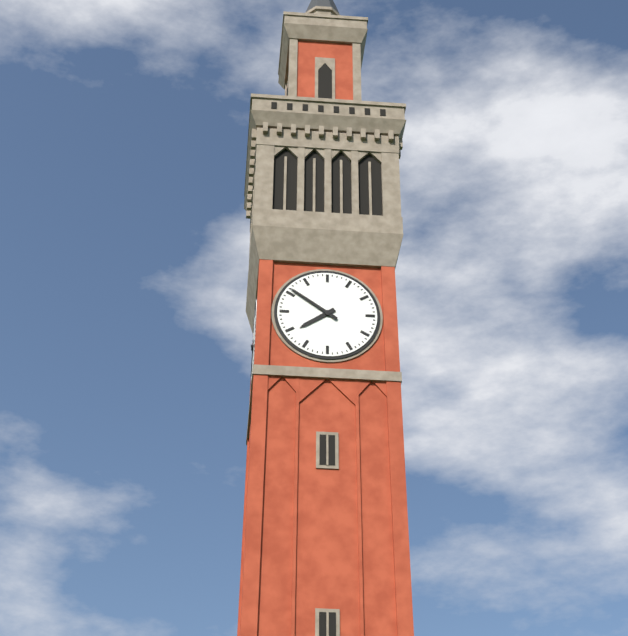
7:51
